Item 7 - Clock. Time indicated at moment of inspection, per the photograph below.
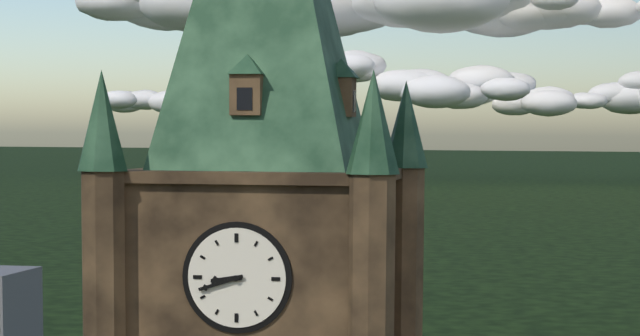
8:42
